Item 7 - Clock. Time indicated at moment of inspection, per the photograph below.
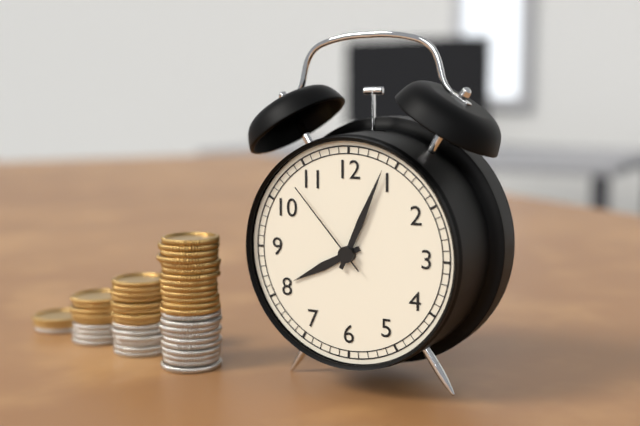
8:04:53
